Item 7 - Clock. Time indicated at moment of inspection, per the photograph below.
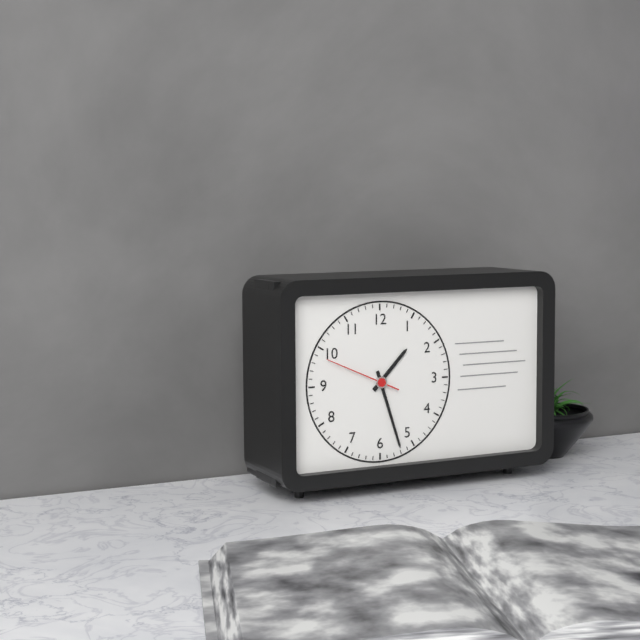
1:27:49
